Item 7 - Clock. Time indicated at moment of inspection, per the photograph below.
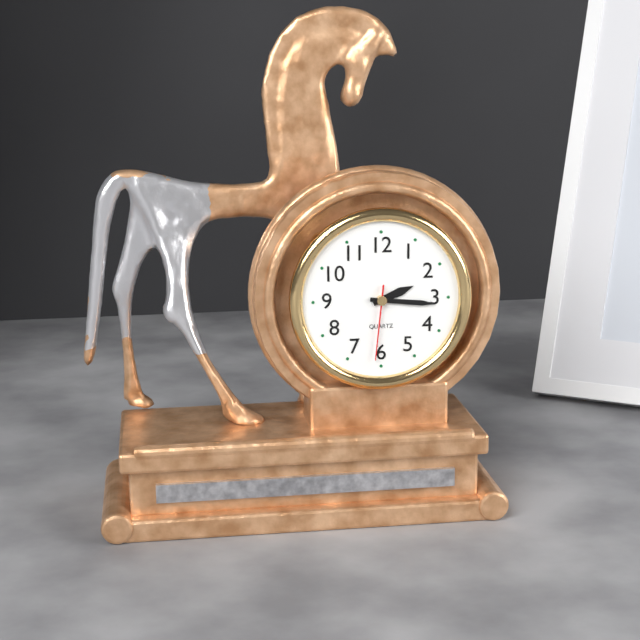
2:16:31
